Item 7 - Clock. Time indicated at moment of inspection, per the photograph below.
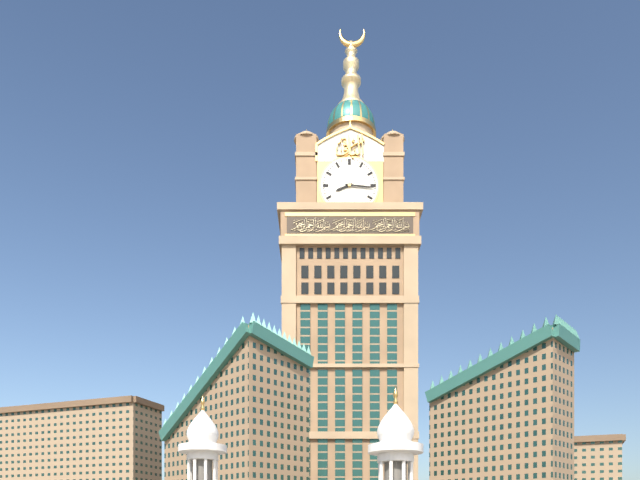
8:16
